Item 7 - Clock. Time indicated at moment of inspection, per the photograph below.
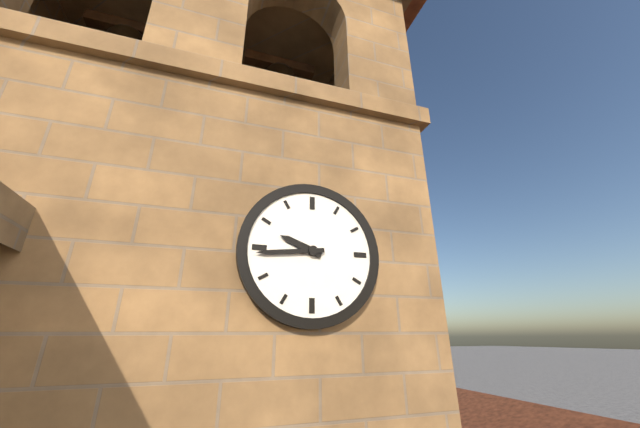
9:44
